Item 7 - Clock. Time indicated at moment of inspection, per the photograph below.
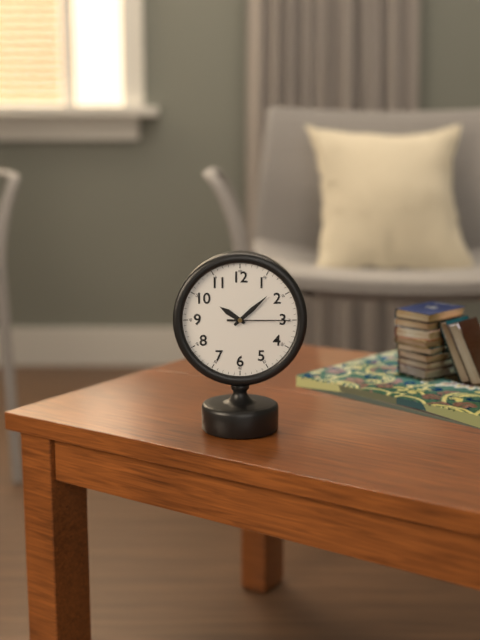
10:08:15
